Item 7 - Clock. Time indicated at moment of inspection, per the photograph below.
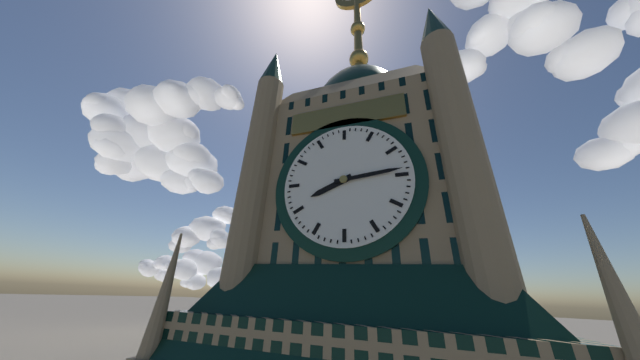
8:14
